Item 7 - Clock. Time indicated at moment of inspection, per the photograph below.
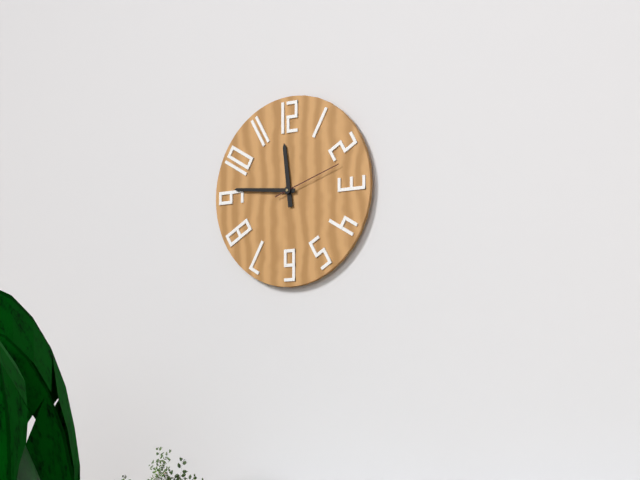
11:46:12
